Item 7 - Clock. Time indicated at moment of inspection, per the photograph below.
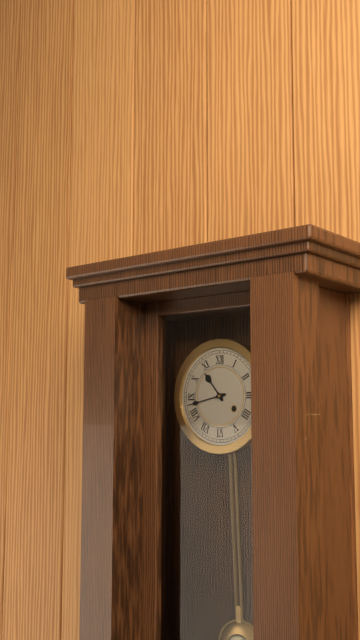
10:43
